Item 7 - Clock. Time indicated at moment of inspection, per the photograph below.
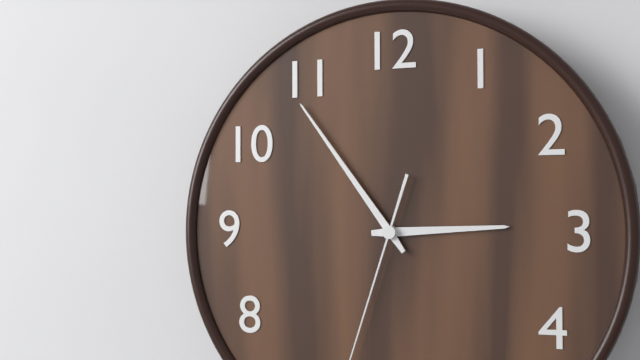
2:54
